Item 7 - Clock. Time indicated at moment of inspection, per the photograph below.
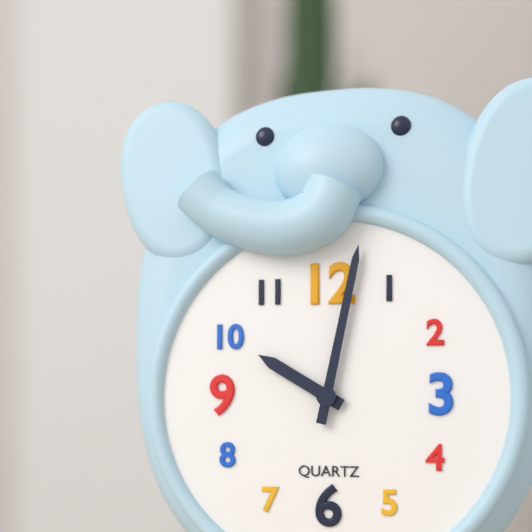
10:02
